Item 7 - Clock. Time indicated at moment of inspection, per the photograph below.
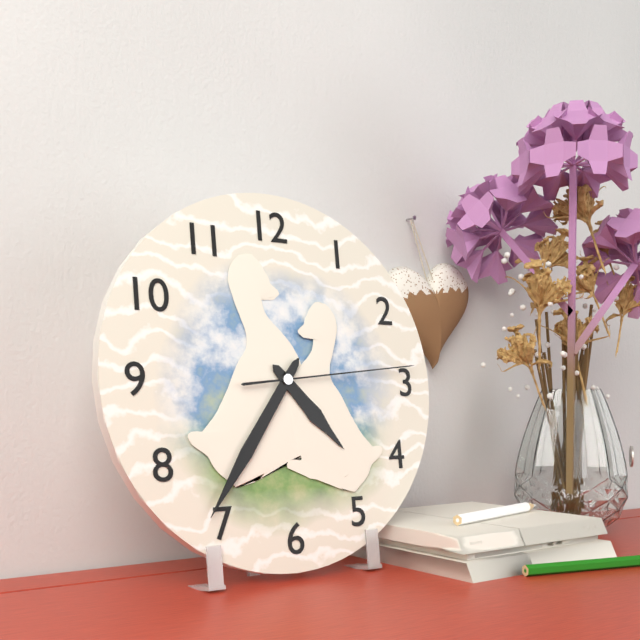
4:36:14
